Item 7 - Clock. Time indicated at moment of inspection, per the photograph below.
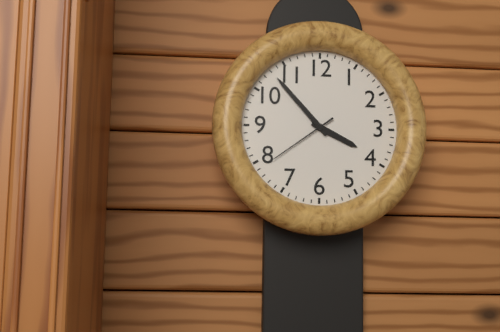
3:53:39
